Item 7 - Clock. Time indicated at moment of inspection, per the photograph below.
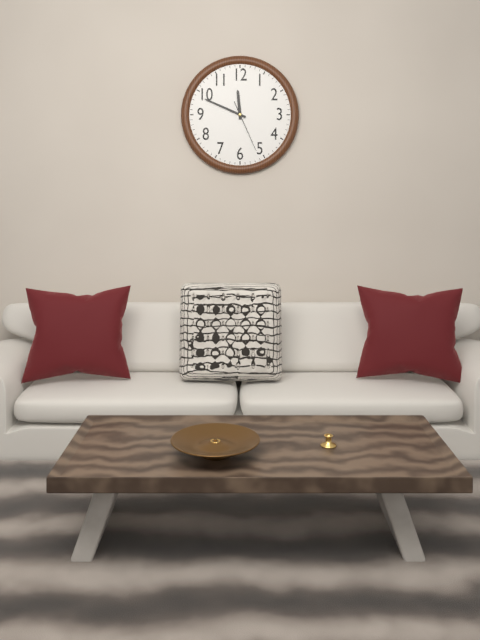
11:49
